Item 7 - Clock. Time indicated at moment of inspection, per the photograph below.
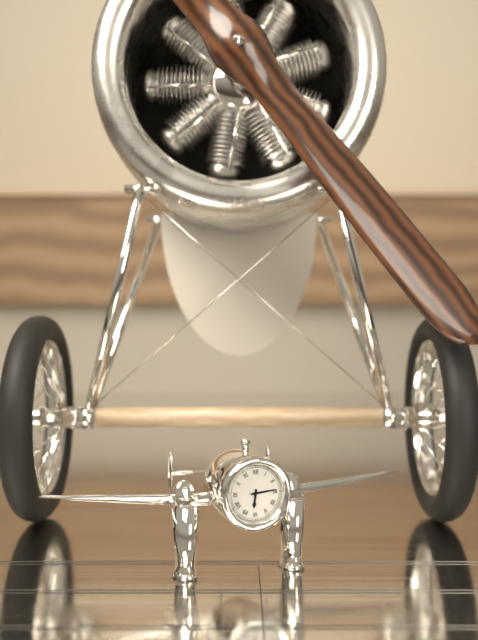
6:14
